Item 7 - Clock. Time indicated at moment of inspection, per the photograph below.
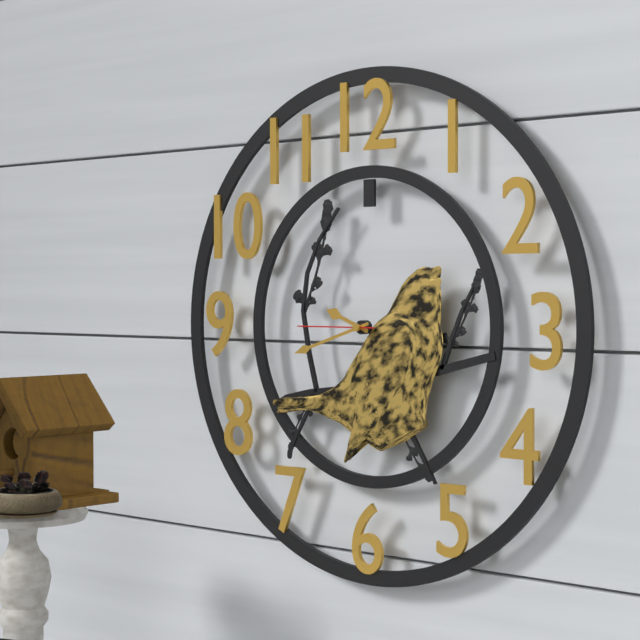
9:42:45
